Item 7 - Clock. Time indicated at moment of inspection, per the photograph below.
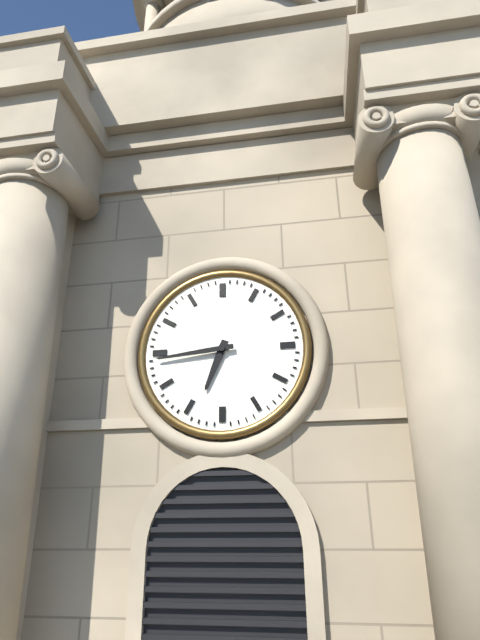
6:44
